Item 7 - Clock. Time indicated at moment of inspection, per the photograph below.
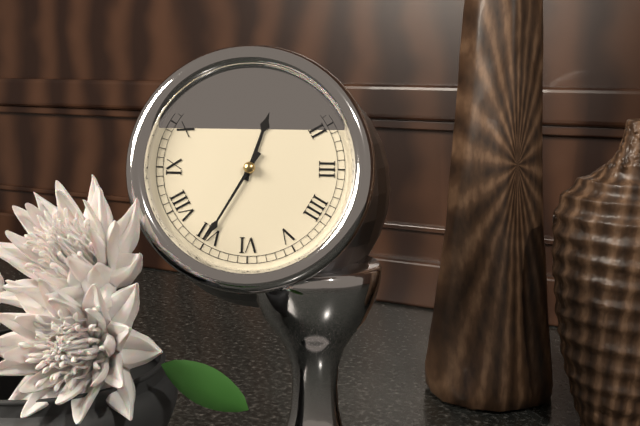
12:35
